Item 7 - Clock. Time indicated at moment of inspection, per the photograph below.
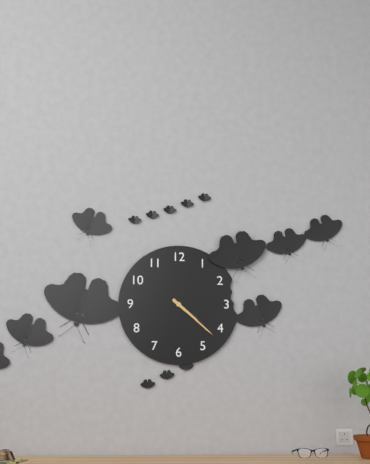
4:22
